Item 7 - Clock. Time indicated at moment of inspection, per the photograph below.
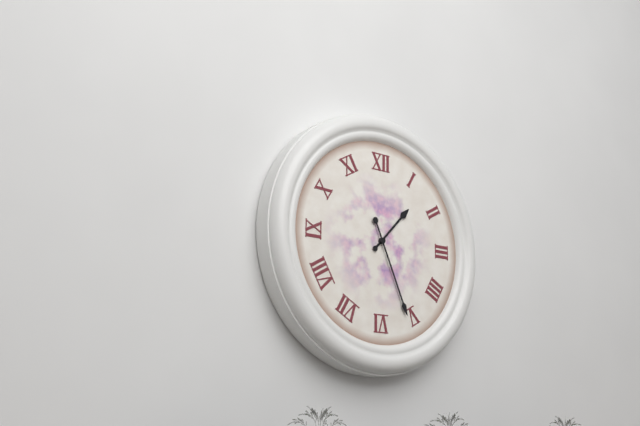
1:26
